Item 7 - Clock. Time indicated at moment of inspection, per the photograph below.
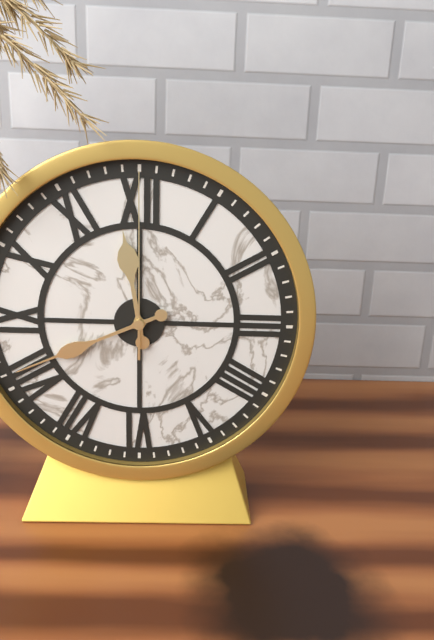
11:41:00
